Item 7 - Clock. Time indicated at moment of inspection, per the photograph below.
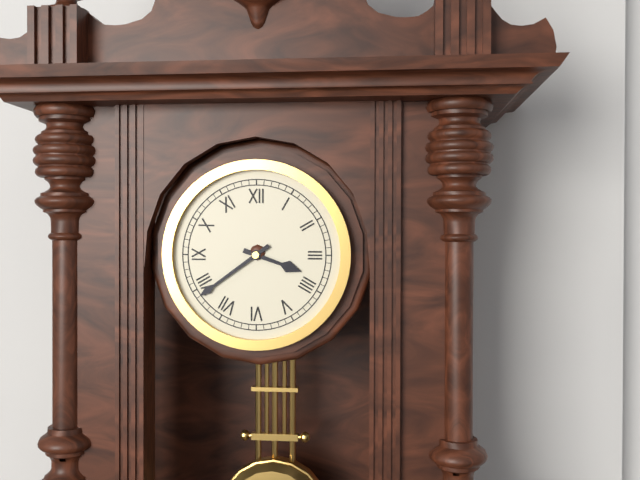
3:39
